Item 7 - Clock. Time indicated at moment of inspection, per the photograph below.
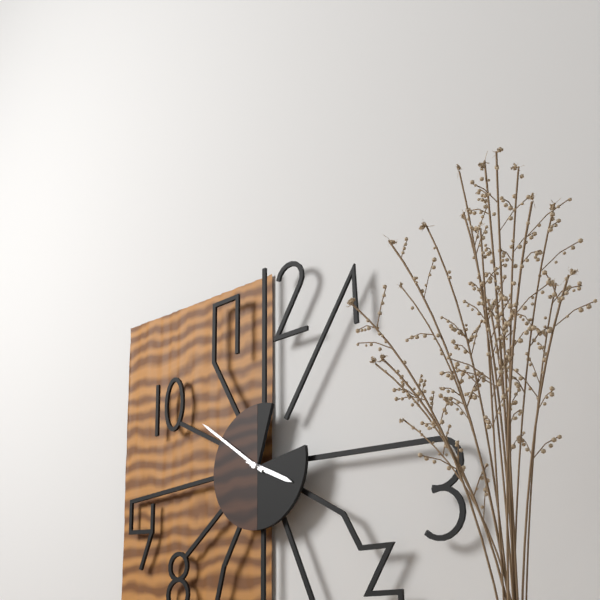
3:51
